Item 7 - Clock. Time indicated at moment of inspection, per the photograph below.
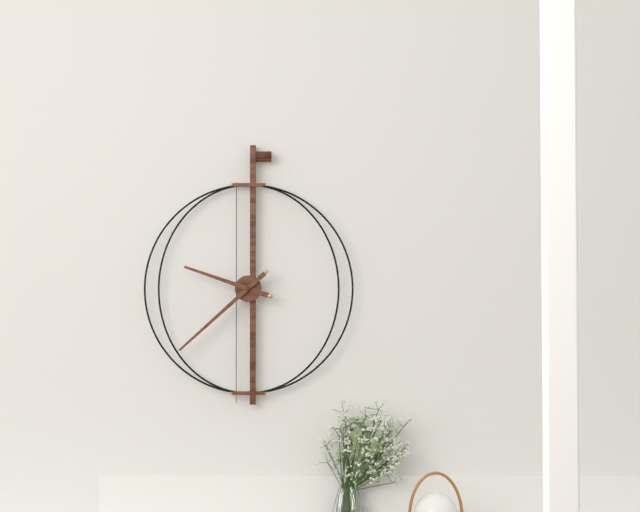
9:38
